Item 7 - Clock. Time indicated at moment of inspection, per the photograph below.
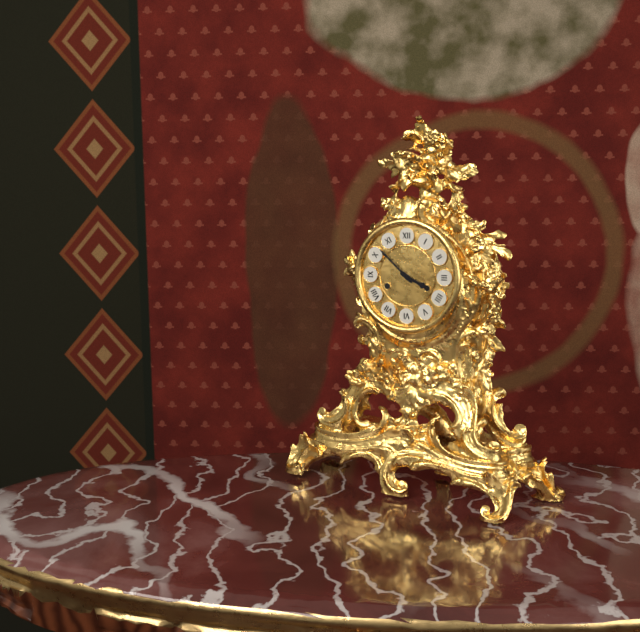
3:52
